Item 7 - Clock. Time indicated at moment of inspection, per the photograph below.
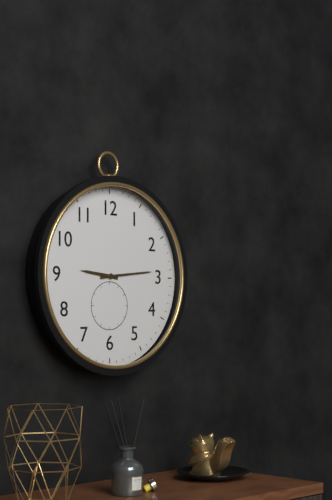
9:14
